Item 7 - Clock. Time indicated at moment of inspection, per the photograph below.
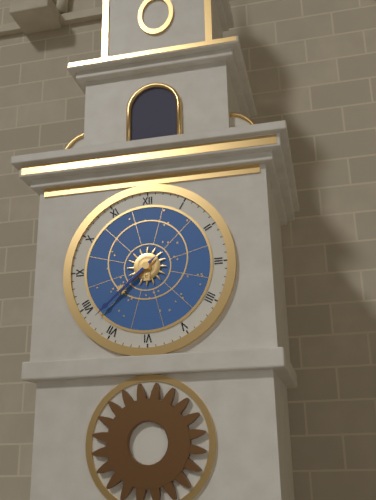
7:38
